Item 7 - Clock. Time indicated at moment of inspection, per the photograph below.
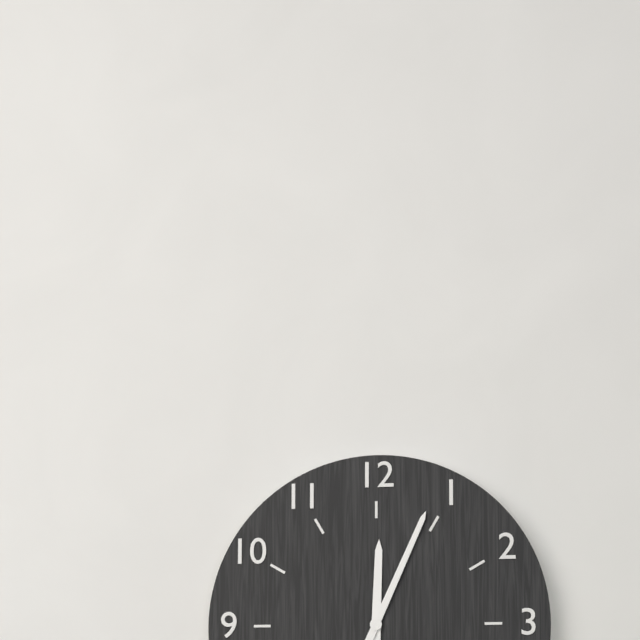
12:04
